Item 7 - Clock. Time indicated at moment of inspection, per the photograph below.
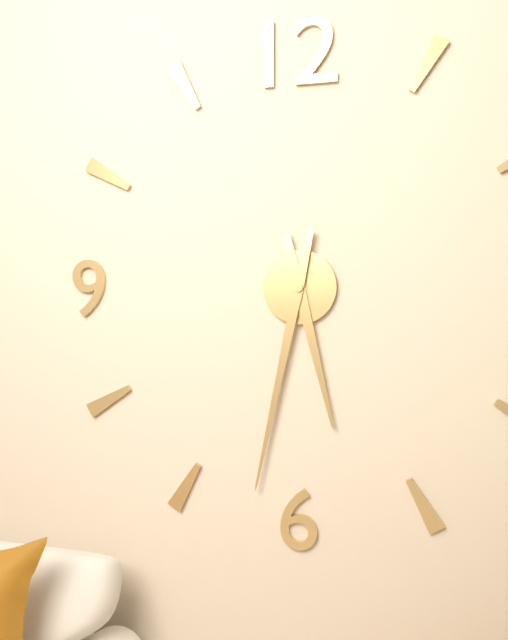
5:32
